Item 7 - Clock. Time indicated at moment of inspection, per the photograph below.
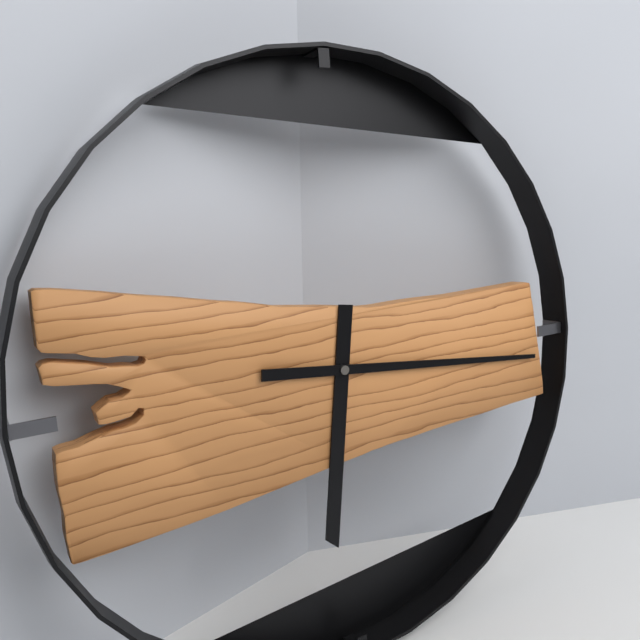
6:16
